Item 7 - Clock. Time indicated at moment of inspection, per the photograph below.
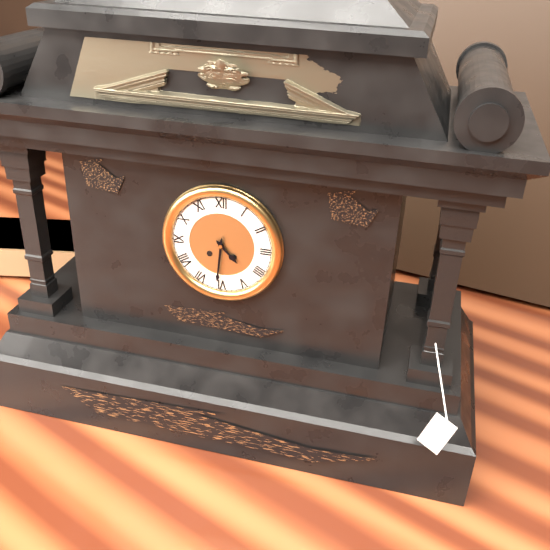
4:31
